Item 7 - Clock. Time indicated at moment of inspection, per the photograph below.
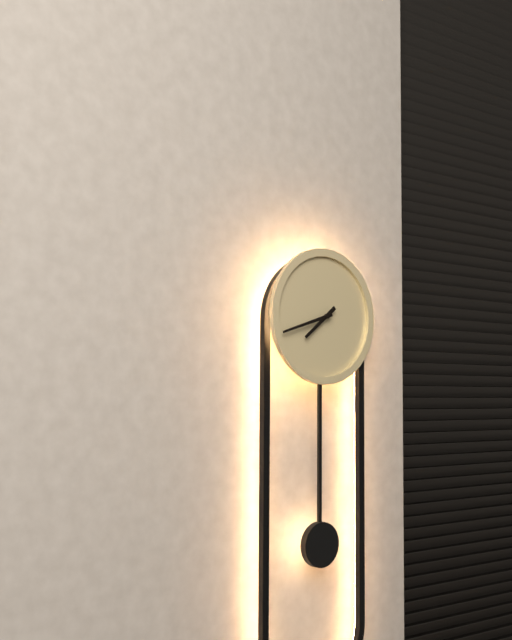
7:42
